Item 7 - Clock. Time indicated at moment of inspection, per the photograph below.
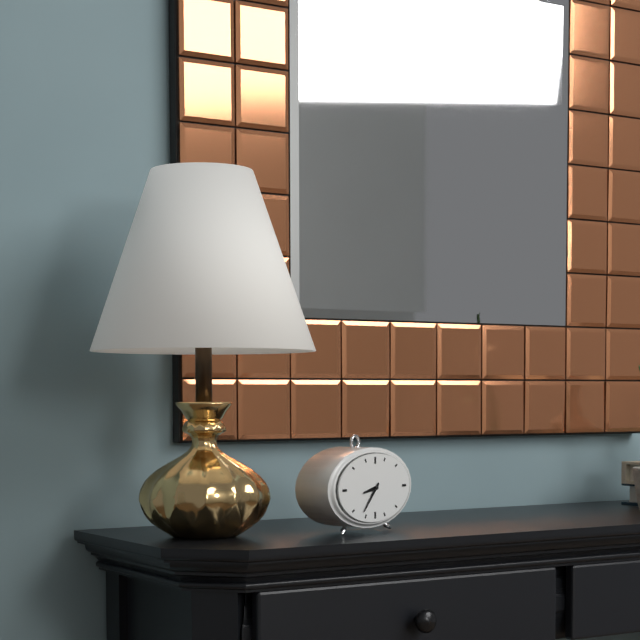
8:37
